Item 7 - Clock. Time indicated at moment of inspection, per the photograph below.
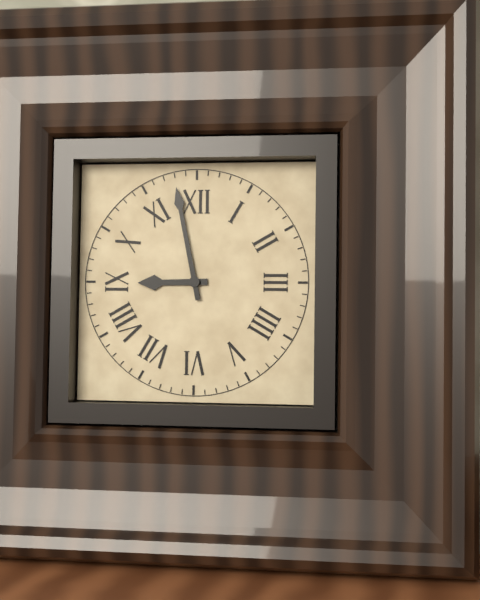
8:58
